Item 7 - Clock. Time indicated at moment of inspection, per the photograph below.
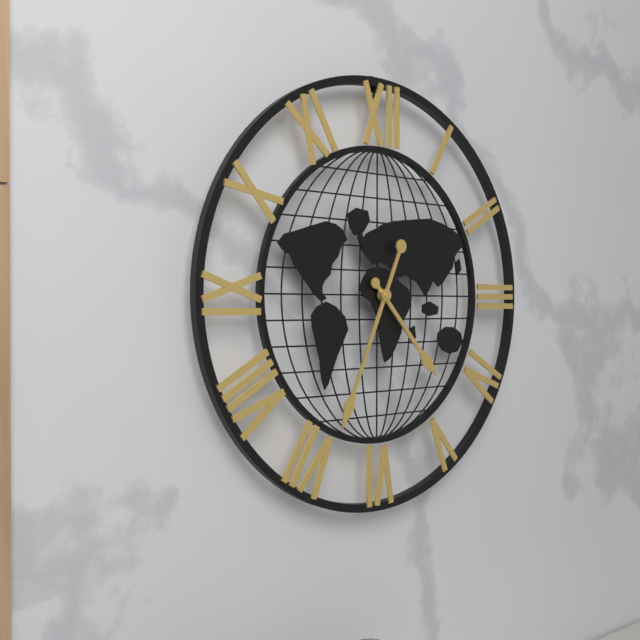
4:34
